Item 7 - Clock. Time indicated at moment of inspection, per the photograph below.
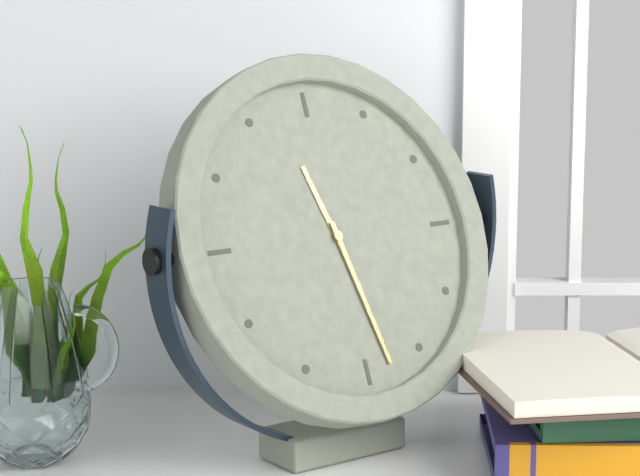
11:28
